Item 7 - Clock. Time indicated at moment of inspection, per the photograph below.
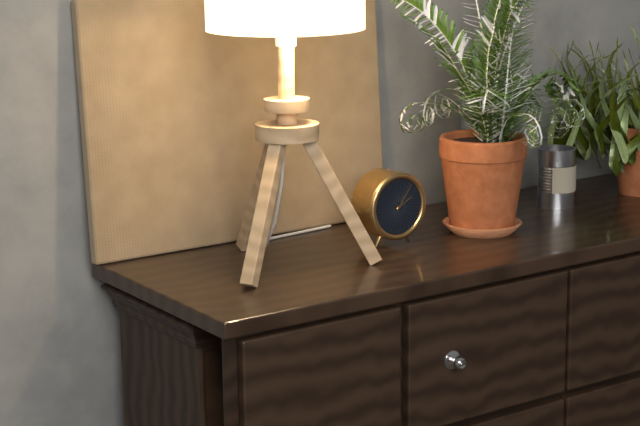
2:06
